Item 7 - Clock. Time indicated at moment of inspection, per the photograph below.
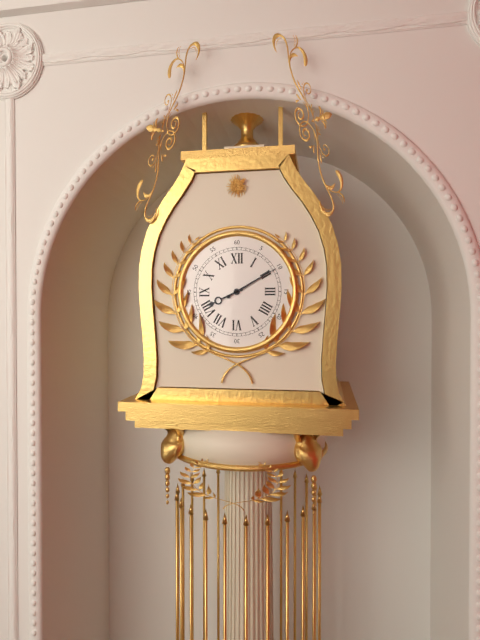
8:10
